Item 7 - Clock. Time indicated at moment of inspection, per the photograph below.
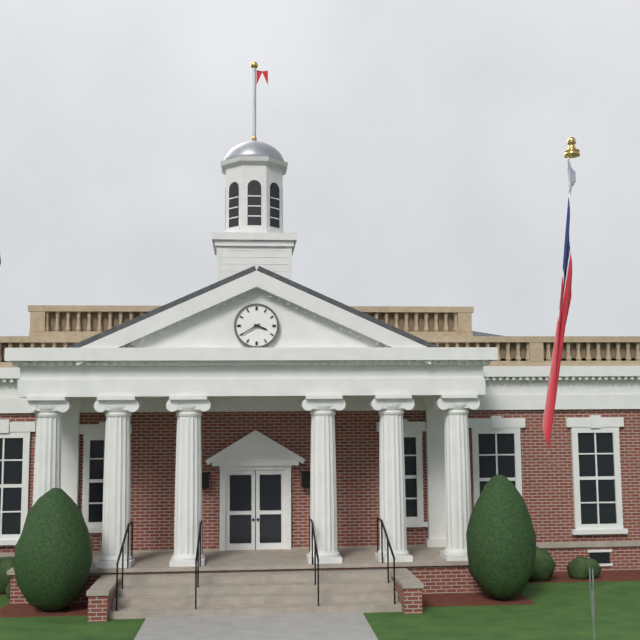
3:40
